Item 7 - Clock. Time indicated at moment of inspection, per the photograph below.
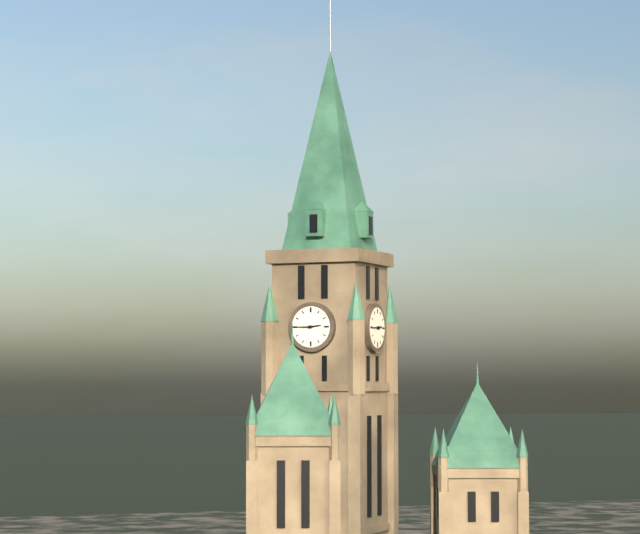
2:45
